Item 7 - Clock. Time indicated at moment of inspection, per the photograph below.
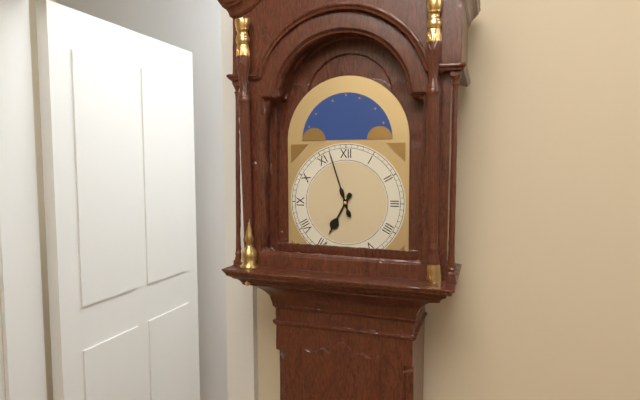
6:57
